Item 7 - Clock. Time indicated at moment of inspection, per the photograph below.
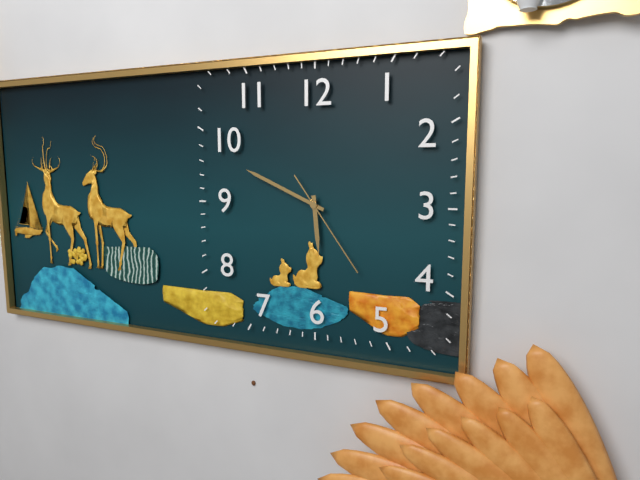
5:49:24
